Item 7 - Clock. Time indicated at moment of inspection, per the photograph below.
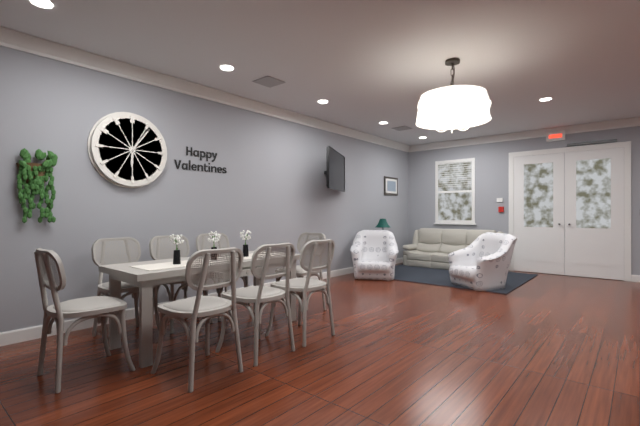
6:06
